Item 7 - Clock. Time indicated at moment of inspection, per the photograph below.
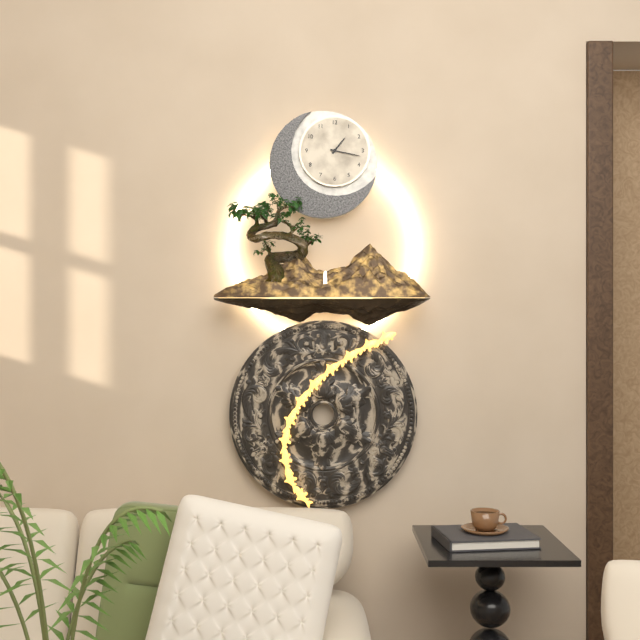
1:17
